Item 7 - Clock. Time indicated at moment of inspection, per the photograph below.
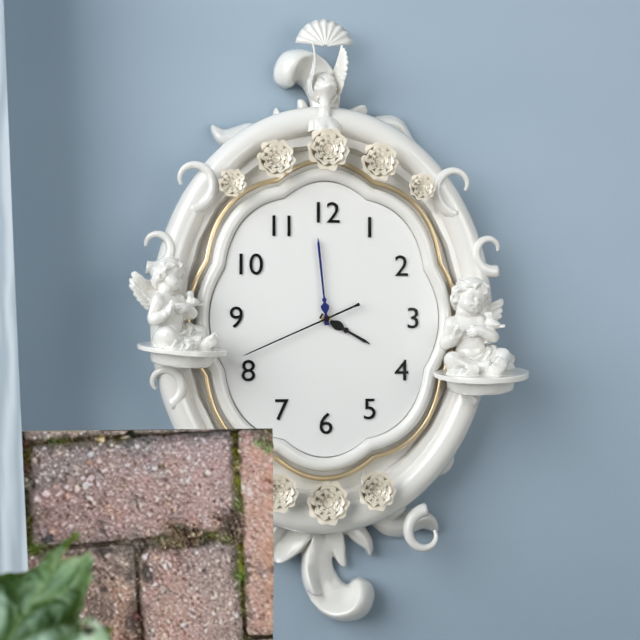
3:59:41
